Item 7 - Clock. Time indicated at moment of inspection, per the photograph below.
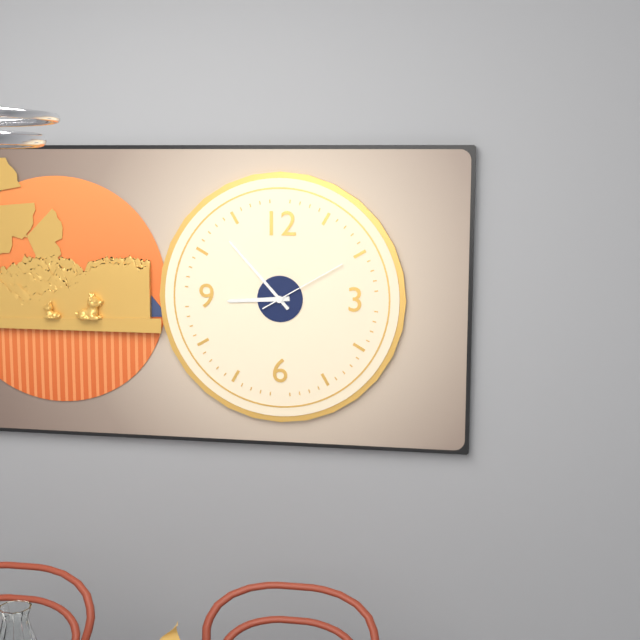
8:53:10
